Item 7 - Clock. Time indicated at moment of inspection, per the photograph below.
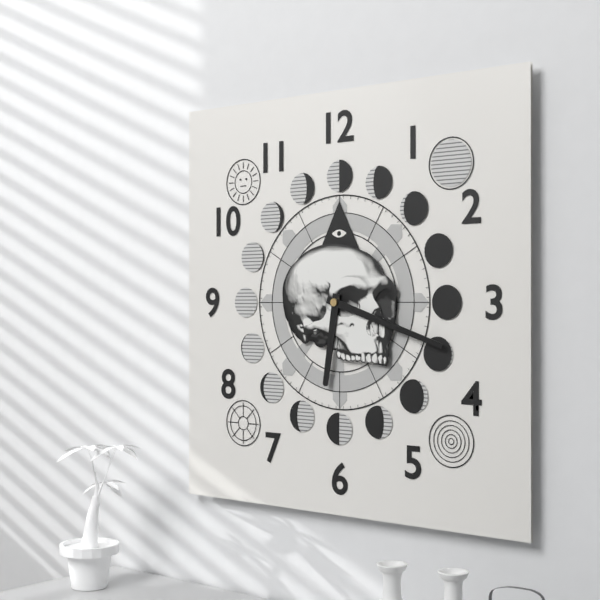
6:18
